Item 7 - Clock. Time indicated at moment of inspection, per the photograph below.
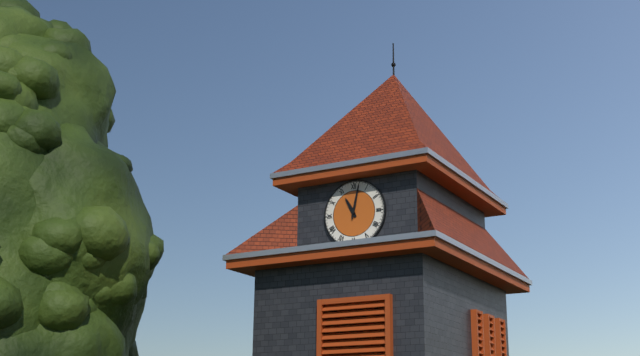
11:02
